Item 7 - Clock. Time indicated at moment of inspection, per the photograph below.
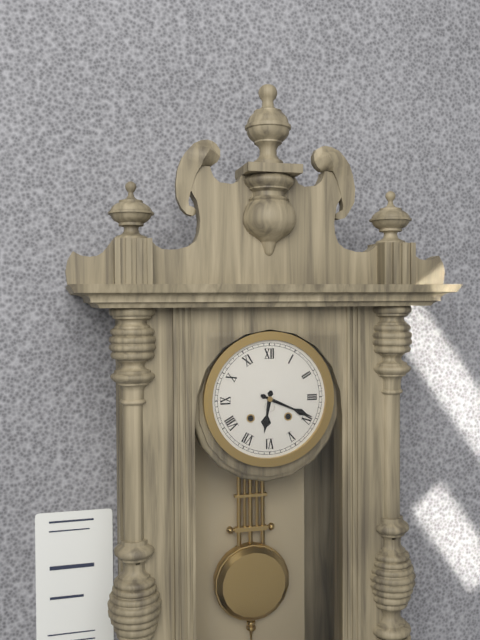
6:19
